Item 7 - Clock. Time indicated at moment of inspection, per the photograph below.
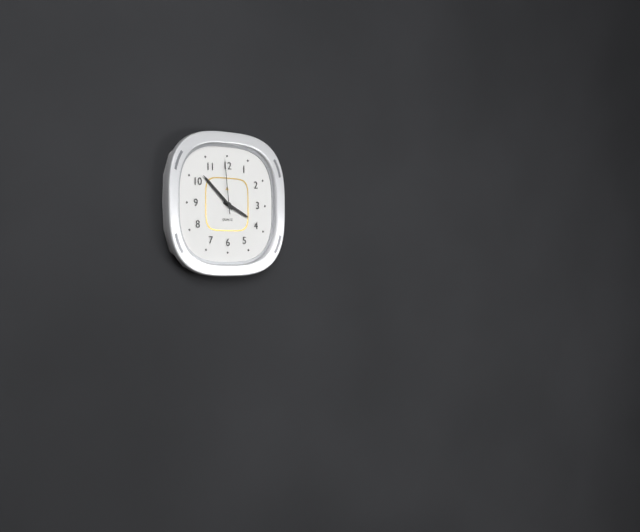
3:52:59
